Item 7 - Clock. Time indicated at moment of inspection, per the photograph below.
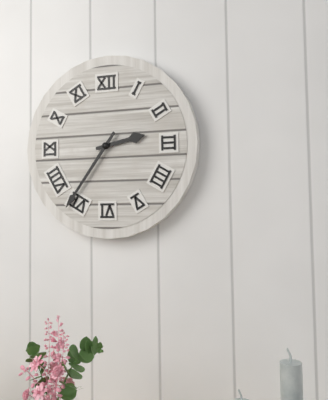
2:36
